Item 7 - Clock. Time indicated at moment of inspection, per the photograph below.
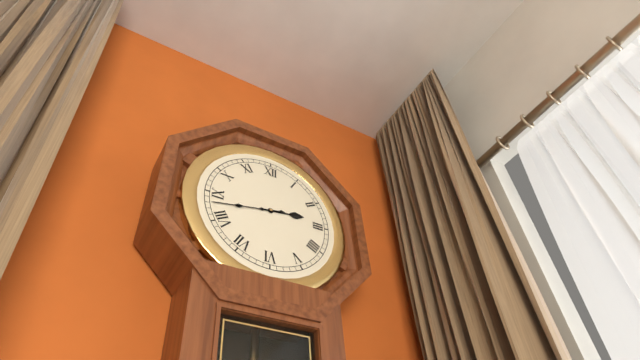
2:43
